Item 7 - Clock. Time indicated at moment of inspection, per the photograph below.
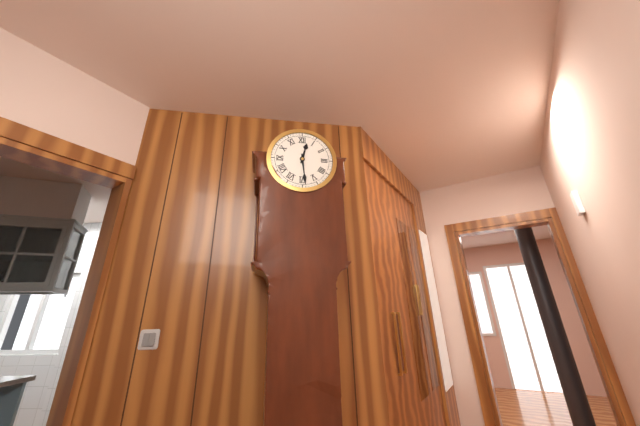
12:29
